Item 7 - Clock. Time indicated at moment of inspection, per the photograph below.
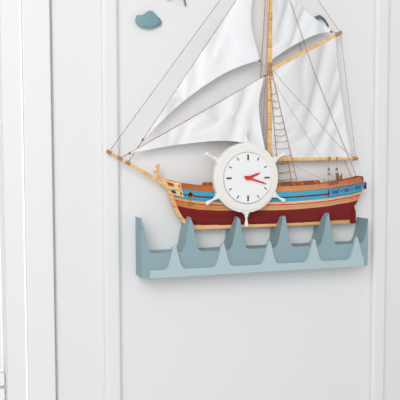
2:18
